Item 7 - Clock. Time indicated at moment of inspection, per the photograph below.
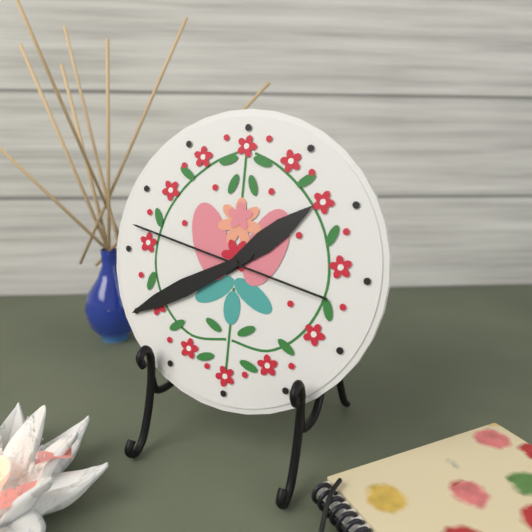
1:40:47
